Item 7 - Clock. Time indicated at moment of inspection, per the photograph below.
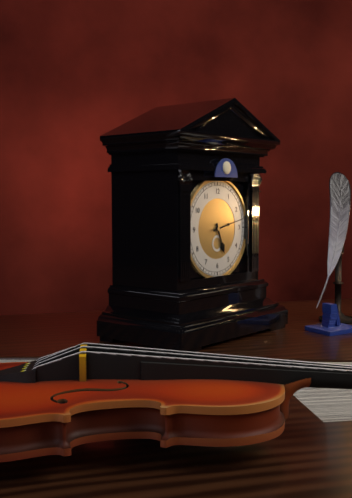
5:13
